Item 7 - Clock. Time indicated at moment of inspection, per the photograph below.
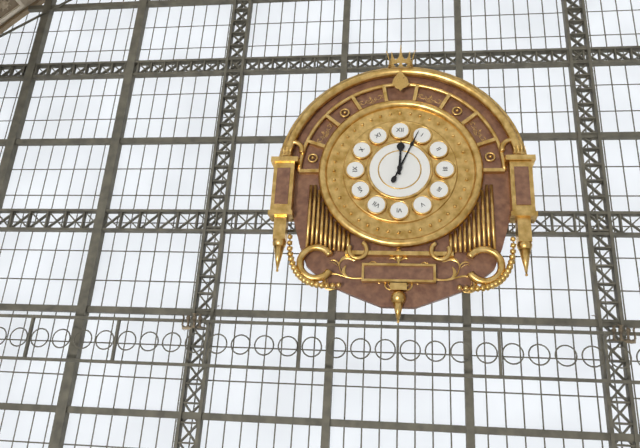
12:04
